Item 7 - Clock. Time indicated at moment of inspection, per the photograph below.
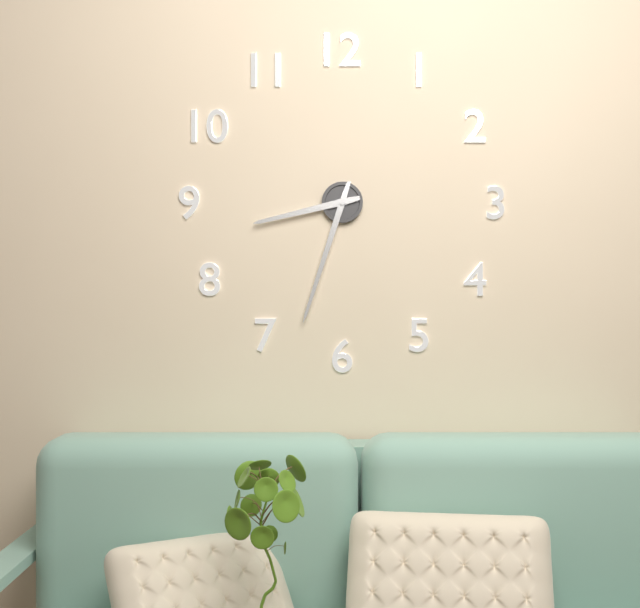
8:33
